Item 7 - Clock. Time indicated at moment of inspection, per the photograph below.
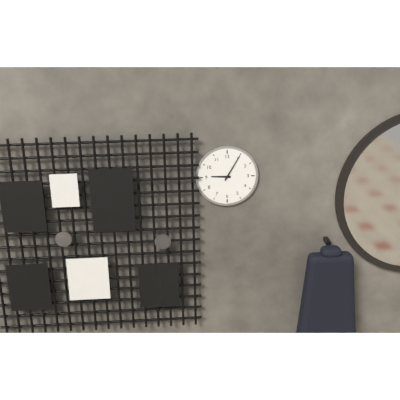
9:05
